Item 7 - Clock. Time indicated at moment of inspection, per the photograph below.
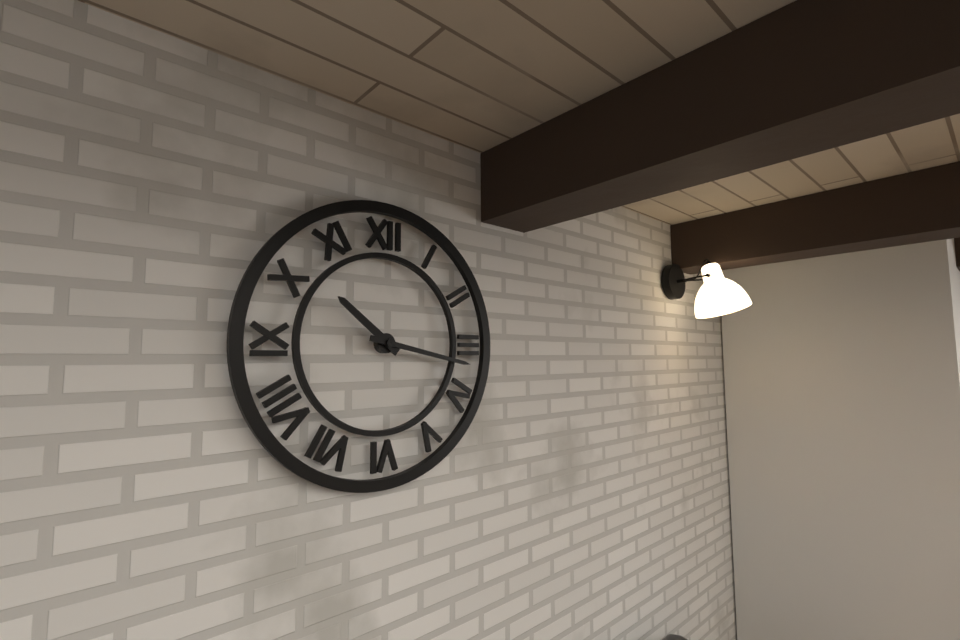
10:17
